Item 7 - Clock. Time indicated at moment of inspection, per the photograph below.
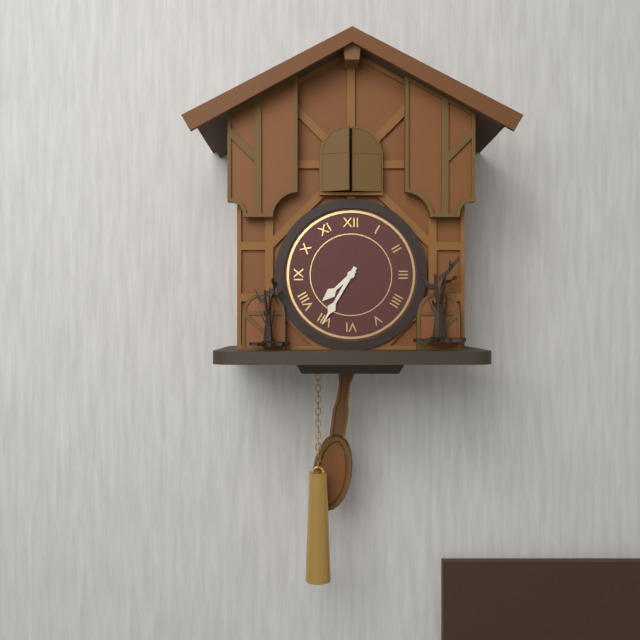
7:35
